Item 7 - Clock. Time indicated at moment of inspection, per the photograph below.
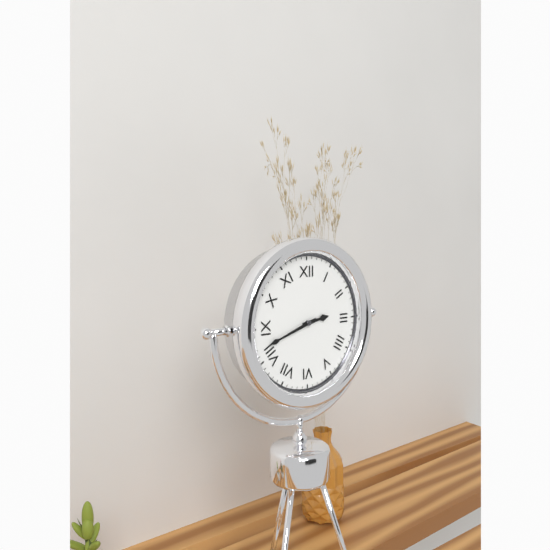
2:42
